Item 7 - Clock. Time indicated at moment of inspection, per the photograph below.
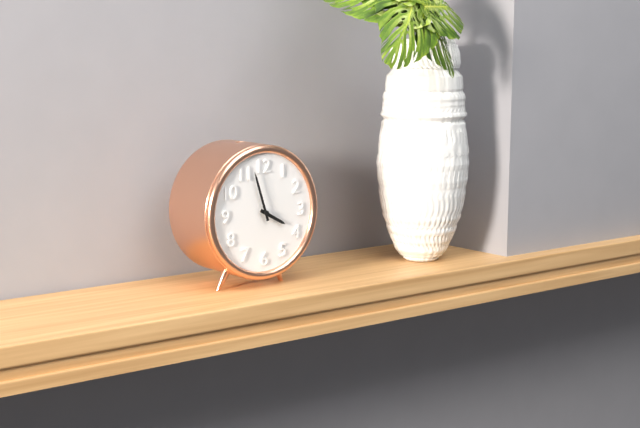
3:57
